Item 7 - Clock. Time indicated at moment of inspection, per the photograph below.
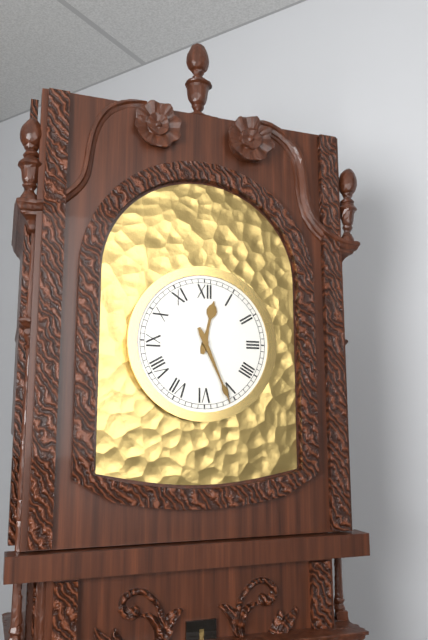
12:26
